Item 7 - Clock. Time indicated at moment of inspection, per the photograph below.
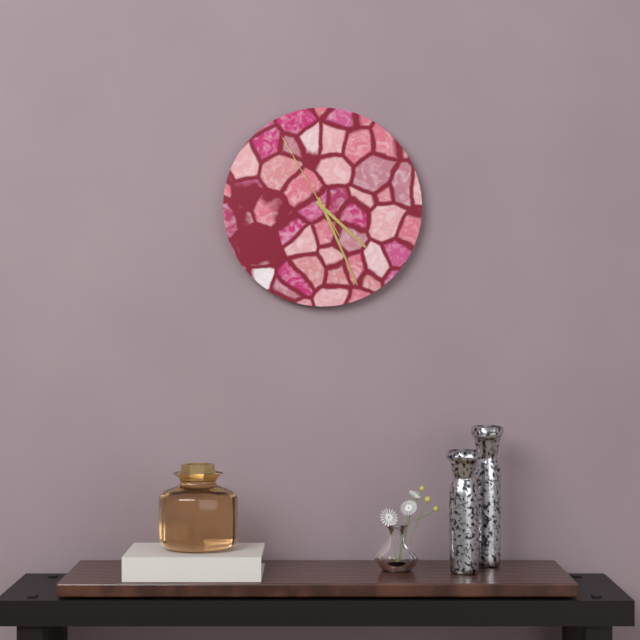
4:26:55
